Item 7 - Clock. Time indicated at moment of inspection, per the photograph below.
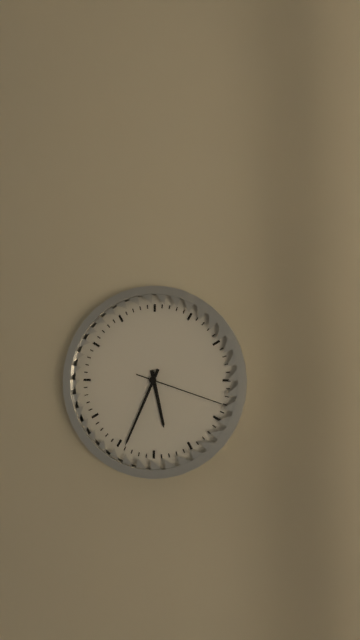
5:34:18
